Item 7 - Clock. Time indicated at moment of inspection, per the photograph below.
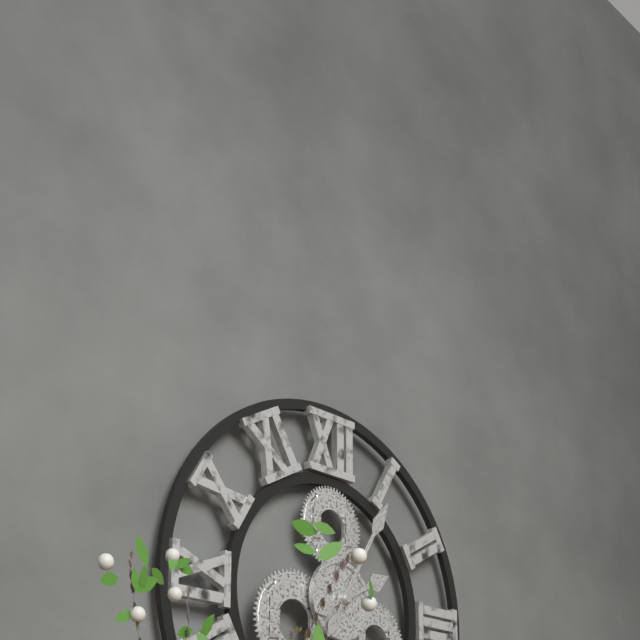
2:05
